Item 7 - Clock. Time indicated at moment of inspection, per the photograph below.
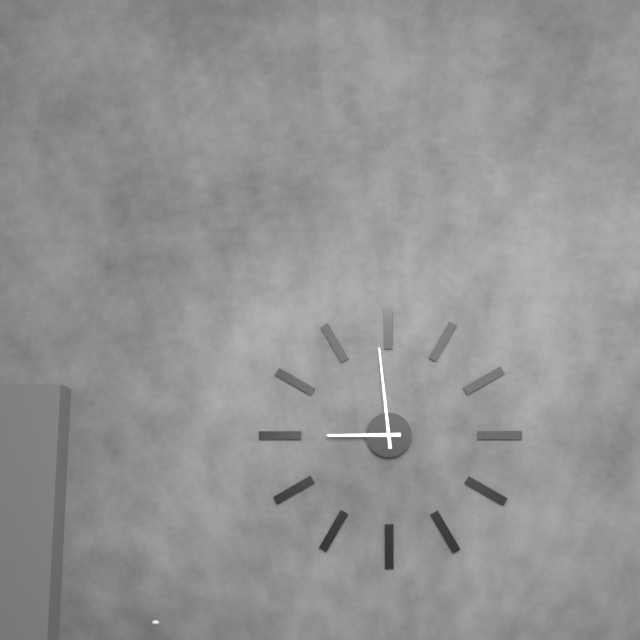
8:59
